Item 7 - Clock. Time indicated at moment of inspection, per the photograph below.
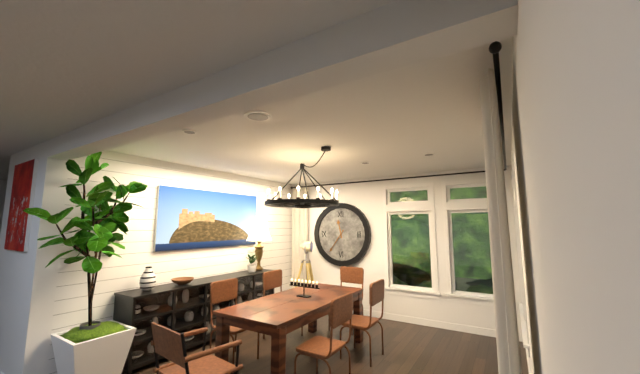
11:36
